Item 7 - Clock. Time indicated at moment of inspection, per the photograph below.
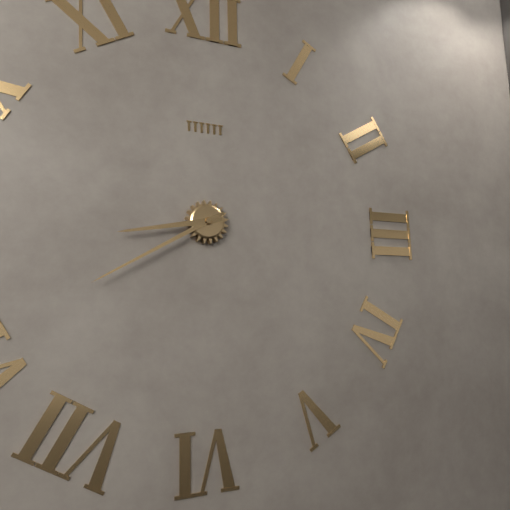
8:40
